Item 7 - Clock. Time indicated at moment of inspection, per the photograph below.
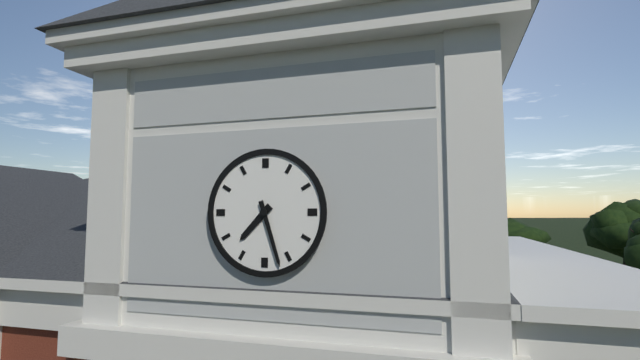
7:27
